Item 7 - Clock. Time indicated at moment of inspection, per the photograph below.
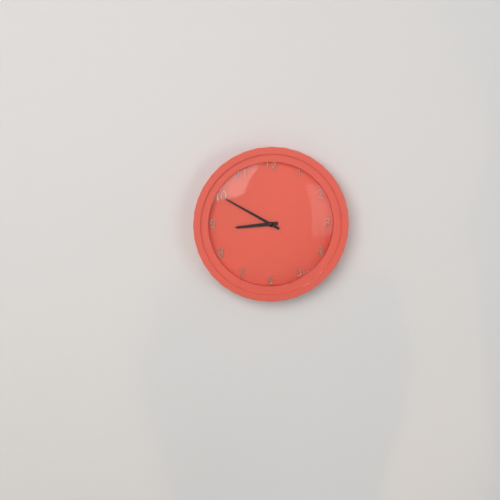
8:50
